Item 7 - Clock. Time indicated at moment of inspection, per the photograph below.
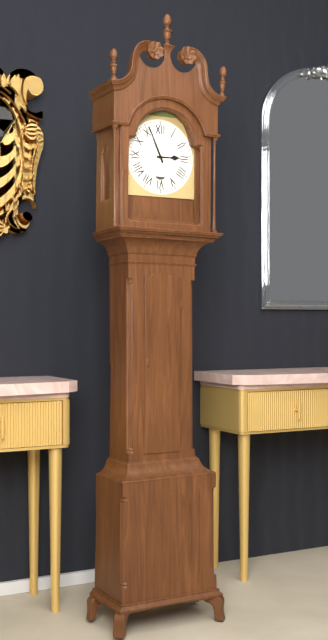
2:56
